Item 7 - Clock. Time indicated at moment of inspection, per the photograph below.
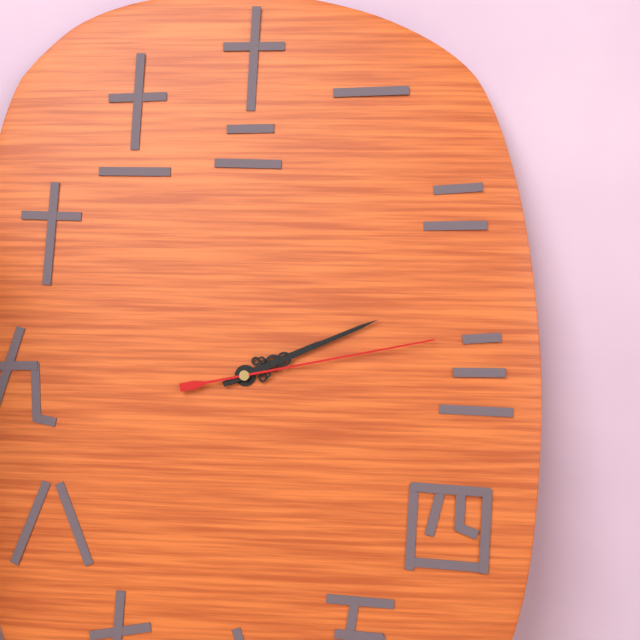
2:11:13
